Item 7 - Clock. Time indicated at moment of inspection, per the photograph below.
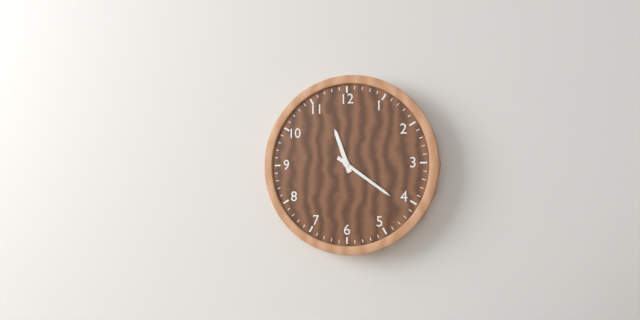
11:21
